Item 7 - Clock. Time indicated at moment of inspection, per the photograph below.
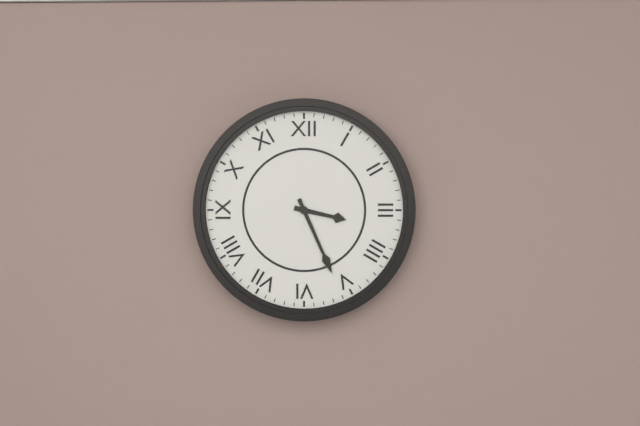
3:26
